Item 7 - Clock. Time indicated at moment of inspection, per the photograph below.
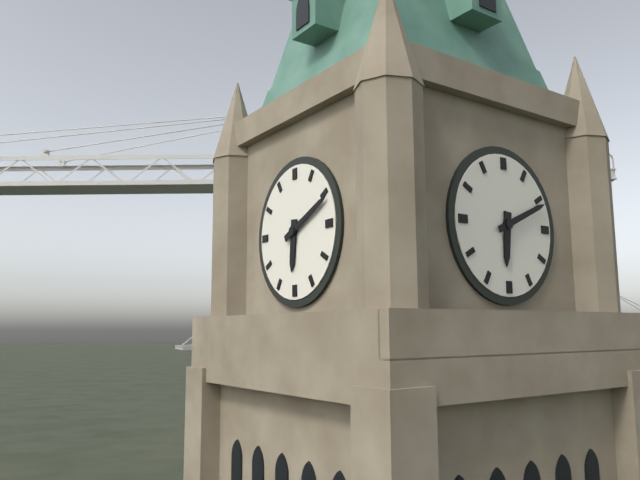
6:11
